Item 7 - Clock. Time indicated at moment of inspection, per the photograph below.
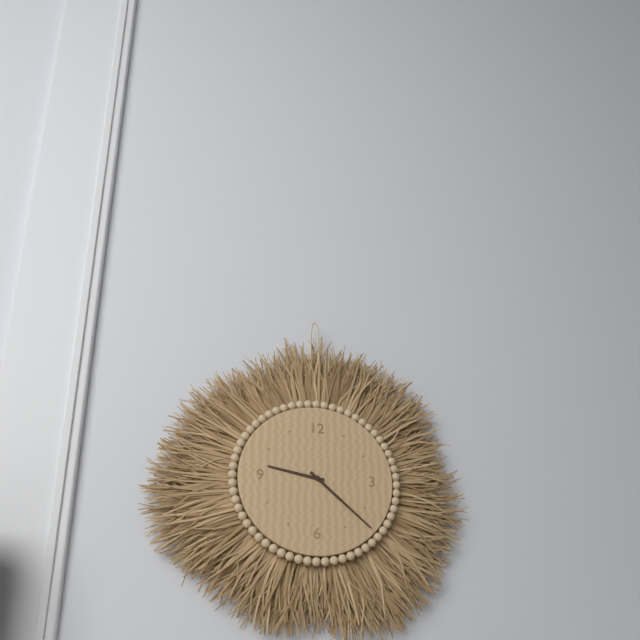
9:22
